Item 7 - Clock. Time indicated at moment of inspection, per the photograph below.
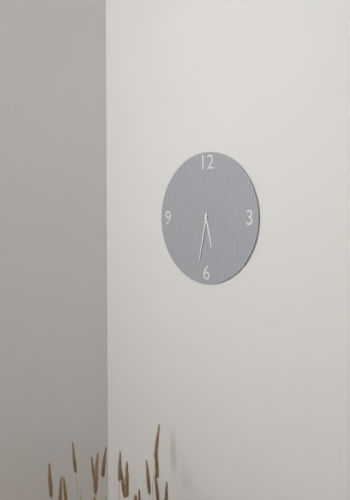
5:32
